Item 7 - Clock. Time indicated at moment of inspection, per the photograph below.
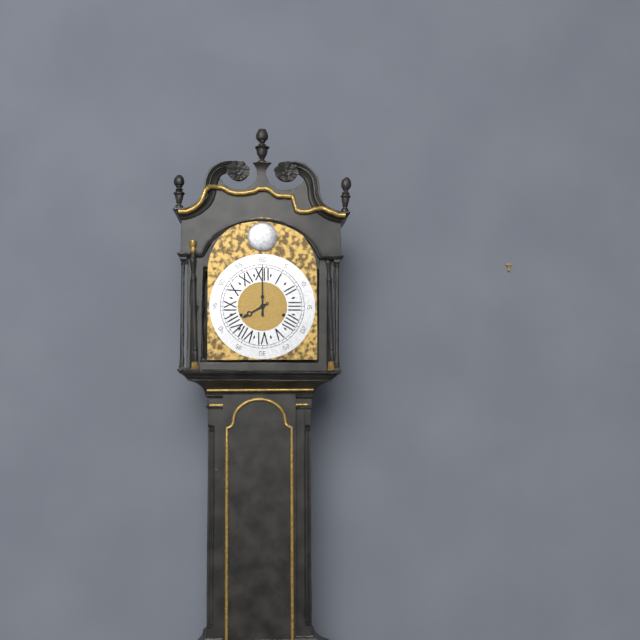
8:00
